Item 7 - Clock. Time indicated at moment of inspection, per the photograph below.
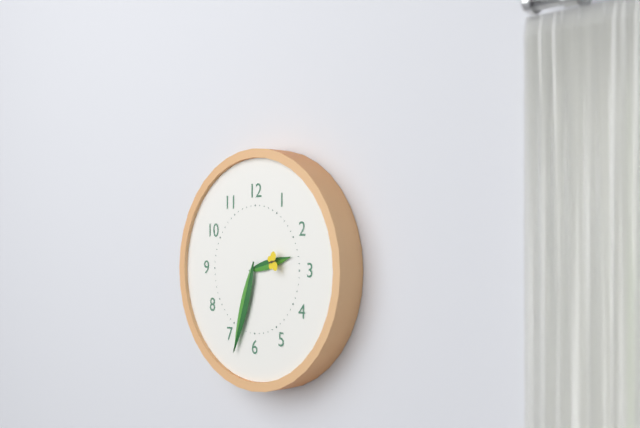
2:33
